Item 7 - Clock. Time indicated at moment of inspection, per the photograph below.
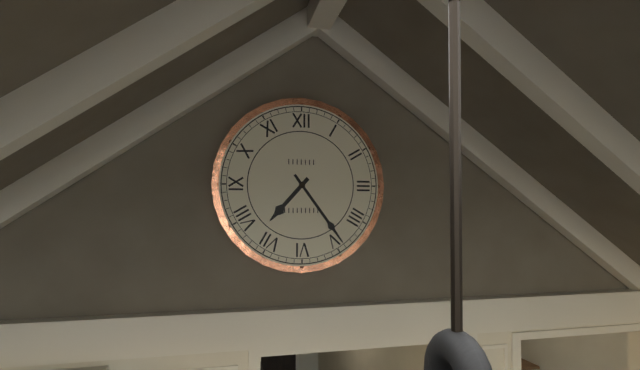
7:24
